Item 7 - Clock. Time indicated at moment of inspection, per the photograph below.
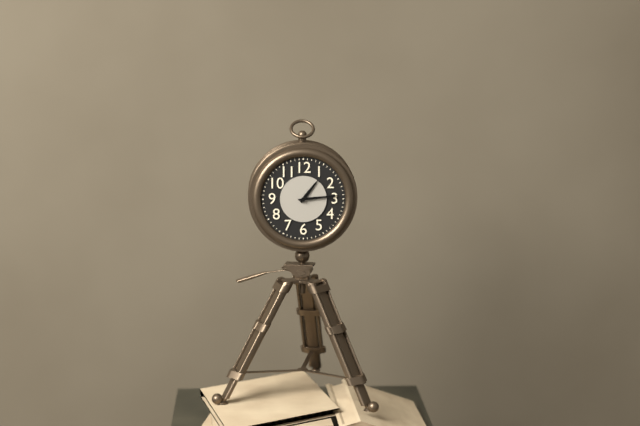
1:14
